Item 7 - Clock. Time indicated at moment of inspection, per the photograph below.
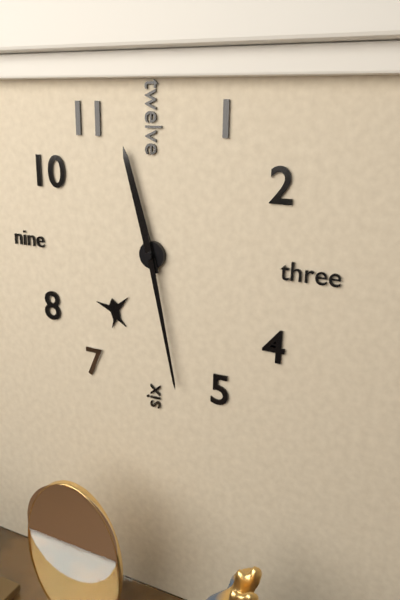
11:28
